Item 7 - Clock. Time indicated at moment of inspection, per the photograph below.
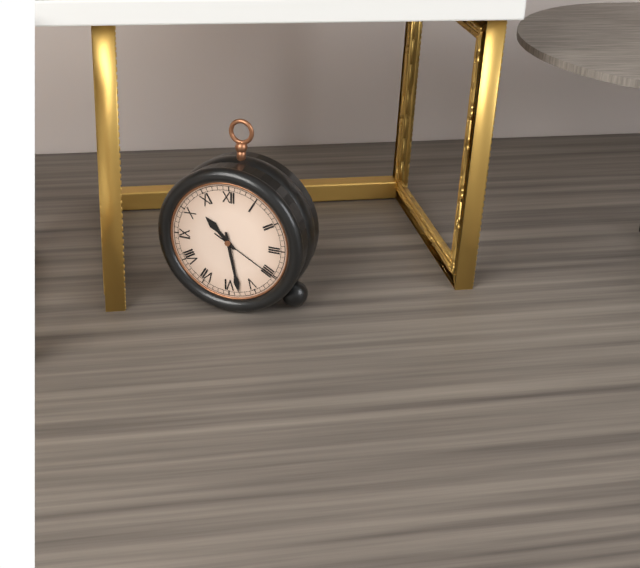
10:28:20
